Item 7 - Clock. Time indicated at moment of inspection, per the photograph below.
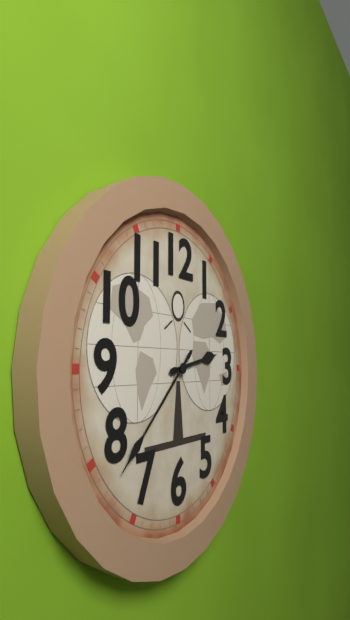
2:38
